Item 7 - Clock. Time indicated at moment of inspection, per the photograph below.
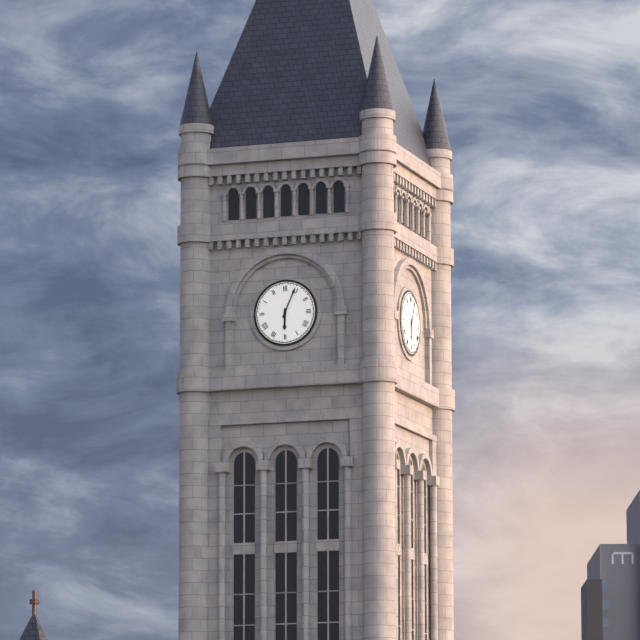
6:04
